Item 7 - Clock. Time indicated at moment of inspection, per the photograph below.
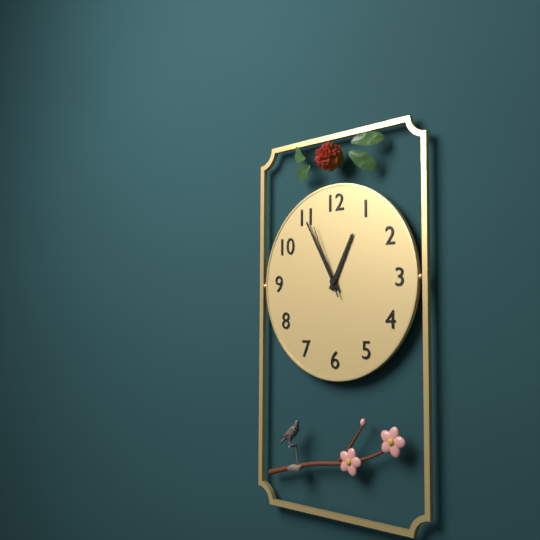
12:55:56
